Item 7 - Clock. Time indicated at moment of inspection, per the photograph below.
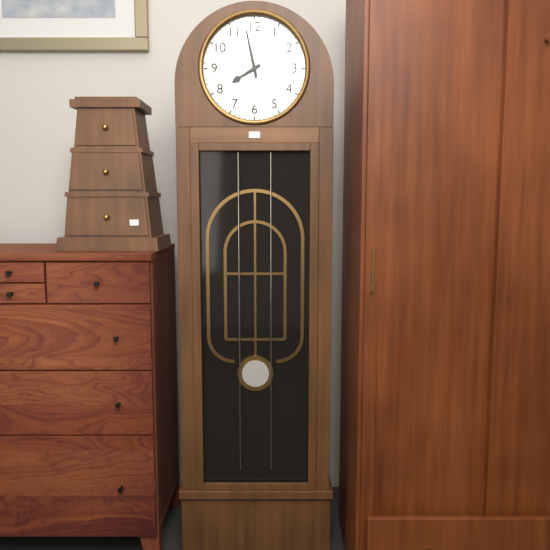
7:58
